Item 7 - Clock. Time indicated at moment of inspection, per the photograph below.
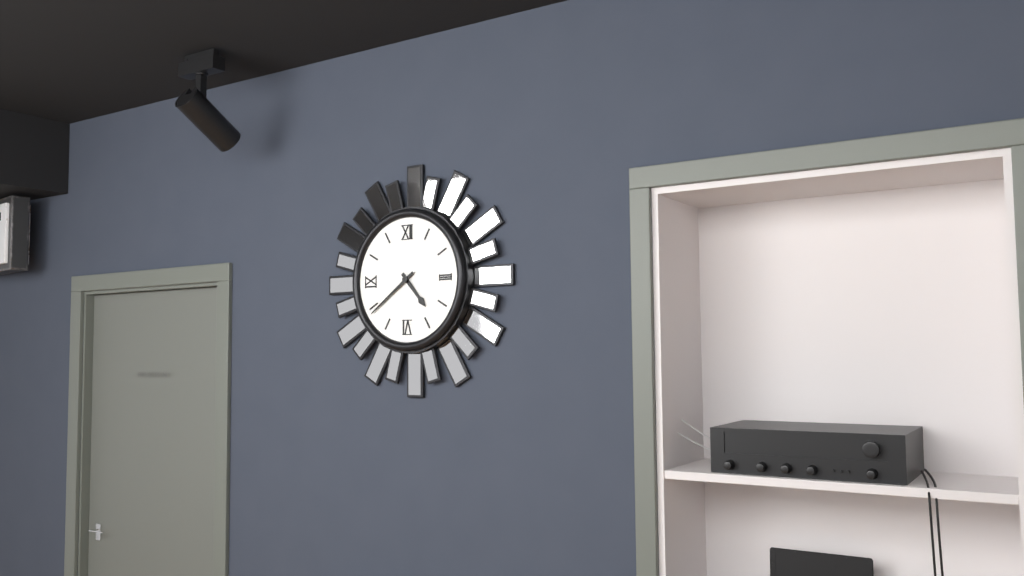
4:39
